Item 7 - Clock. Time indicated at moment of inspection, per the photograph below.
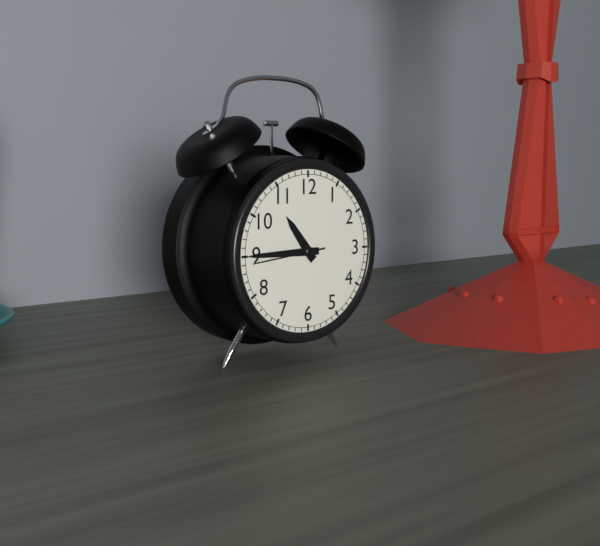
10:45:44
